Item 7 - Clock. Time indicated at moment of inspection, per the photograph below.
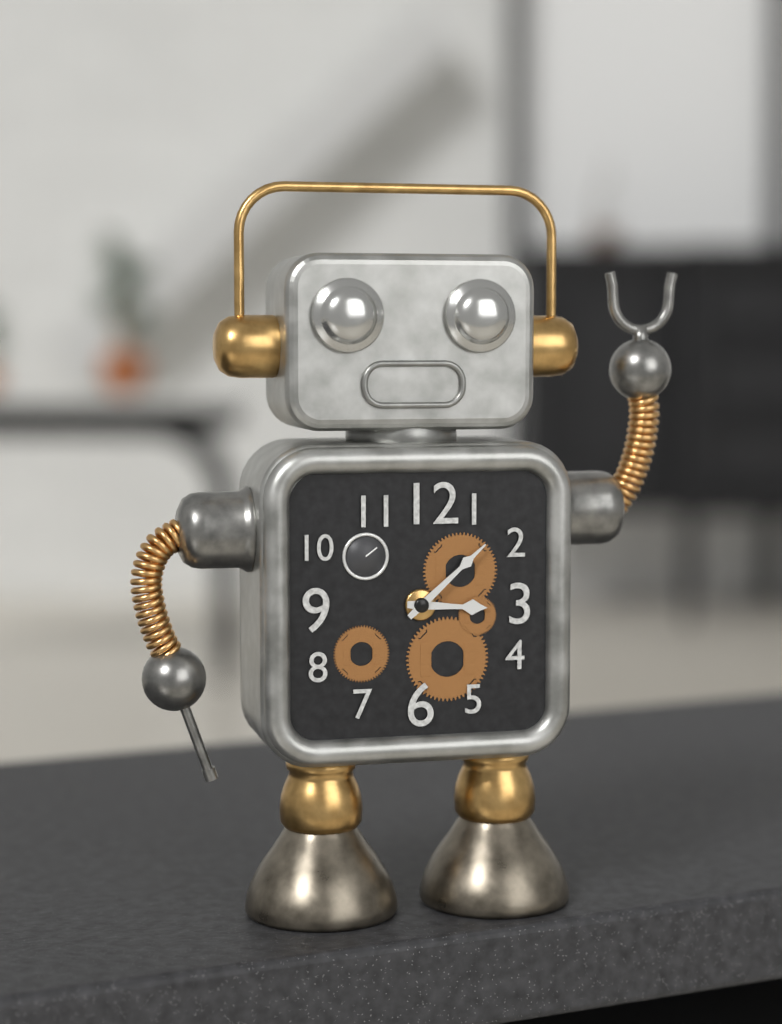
3:08
